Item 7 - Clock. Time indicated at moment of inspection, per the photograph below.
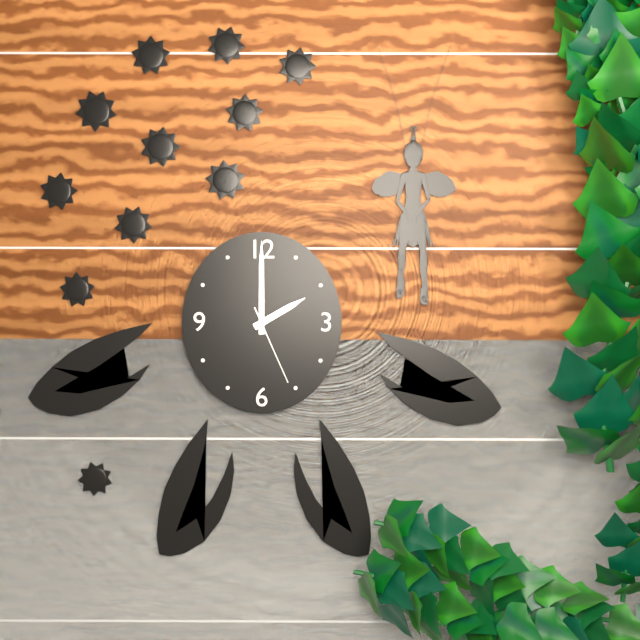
2:00:26
